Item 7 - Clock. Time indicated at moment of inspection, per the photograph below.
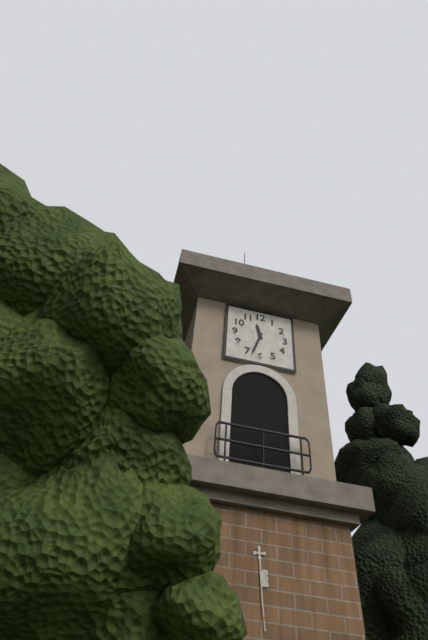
11:33
